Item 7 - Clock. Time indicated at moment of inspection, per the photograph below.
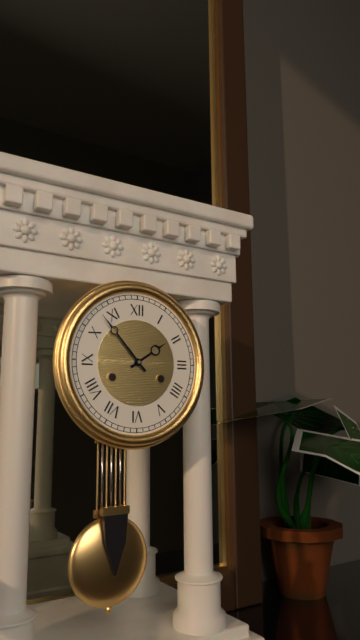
1:53
